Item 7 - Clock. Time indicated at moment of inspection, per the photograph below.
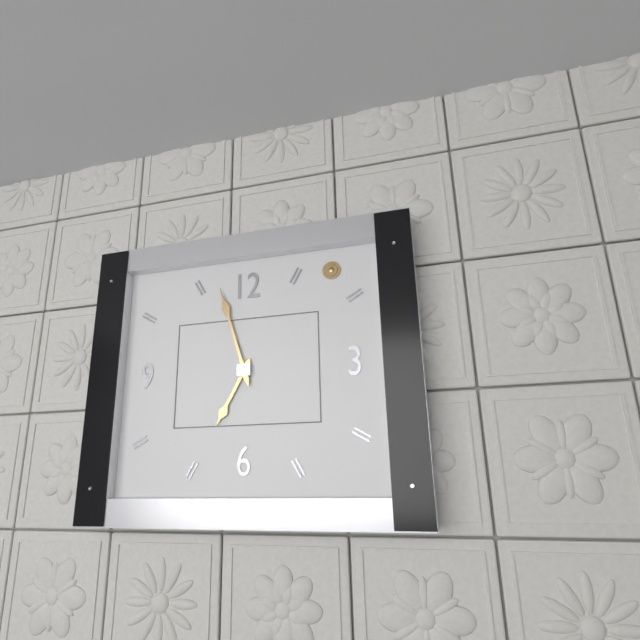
6:57
